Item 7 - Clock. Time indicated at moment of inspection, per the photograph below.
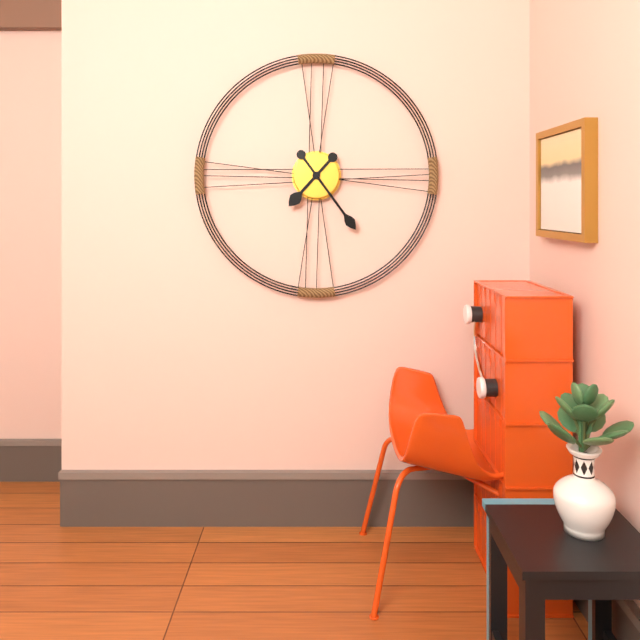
7:24
